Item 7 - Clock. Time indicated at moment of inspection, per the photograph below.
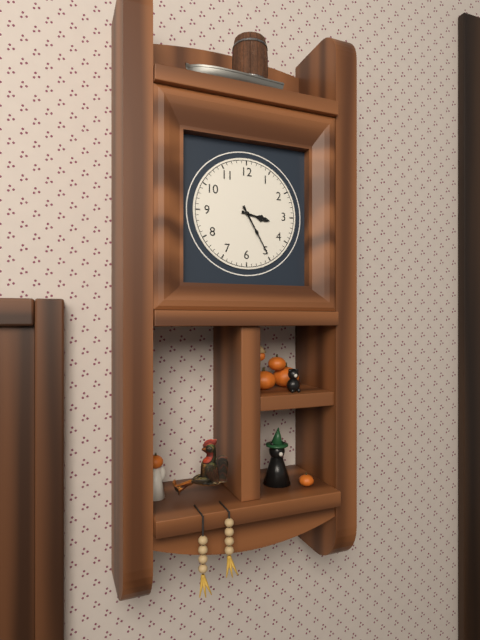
3:25
